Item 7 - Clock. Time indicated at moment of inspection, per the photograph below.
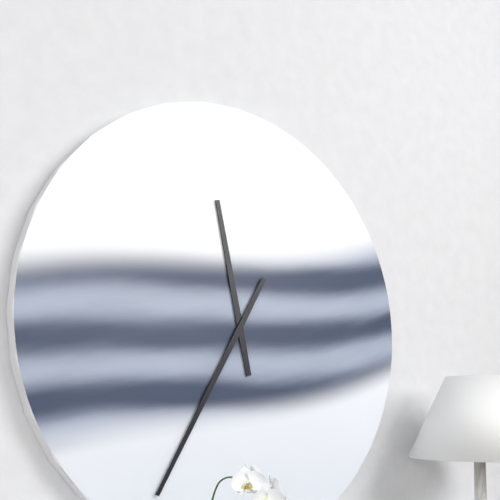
11:35
